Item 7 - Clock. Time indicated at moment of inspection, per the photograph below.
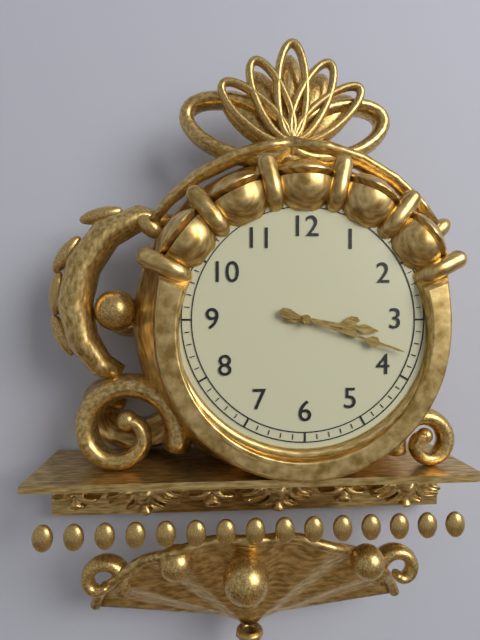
3:18
